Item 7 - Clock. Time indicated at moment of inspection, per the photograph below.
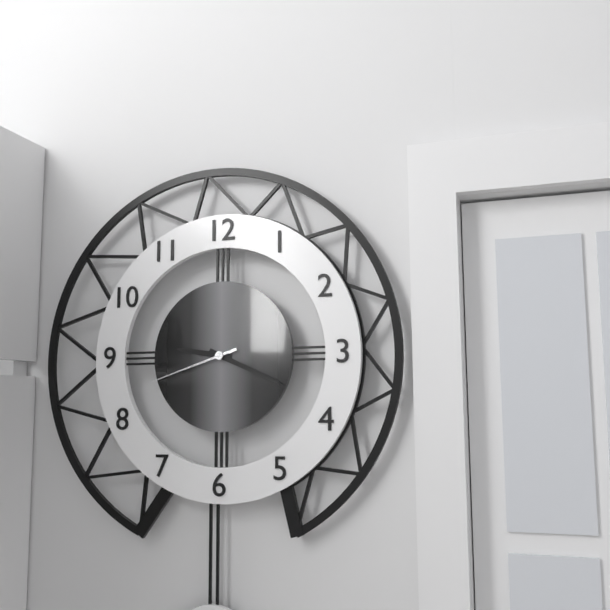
9:19:42
